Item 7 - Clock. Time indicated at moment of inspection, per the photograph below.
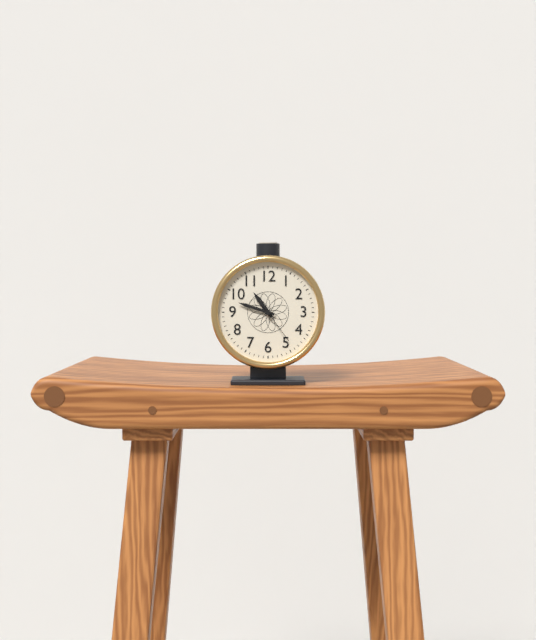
10:48
